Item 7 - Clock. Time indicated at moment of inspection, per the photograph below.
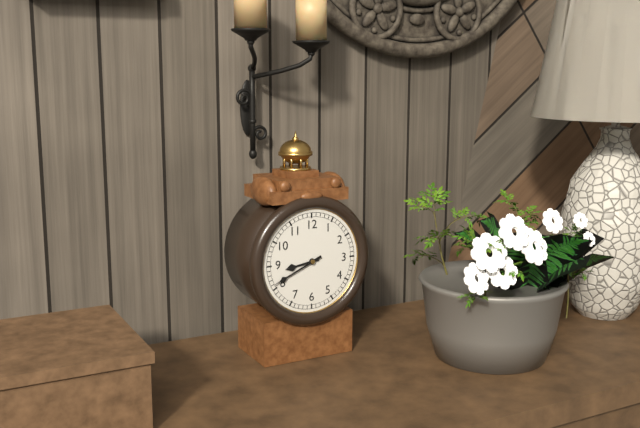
8:41
